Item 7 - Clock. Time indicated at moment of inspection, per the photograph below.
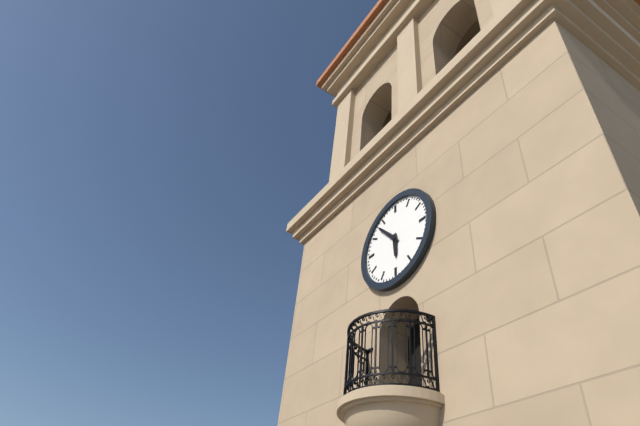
5:53
